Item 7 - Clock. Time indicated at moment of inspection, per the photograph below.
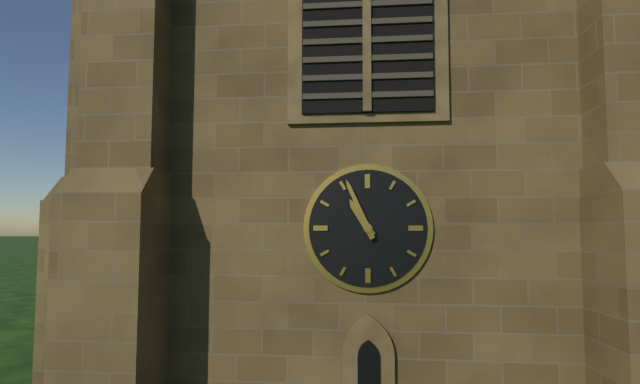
10:56
